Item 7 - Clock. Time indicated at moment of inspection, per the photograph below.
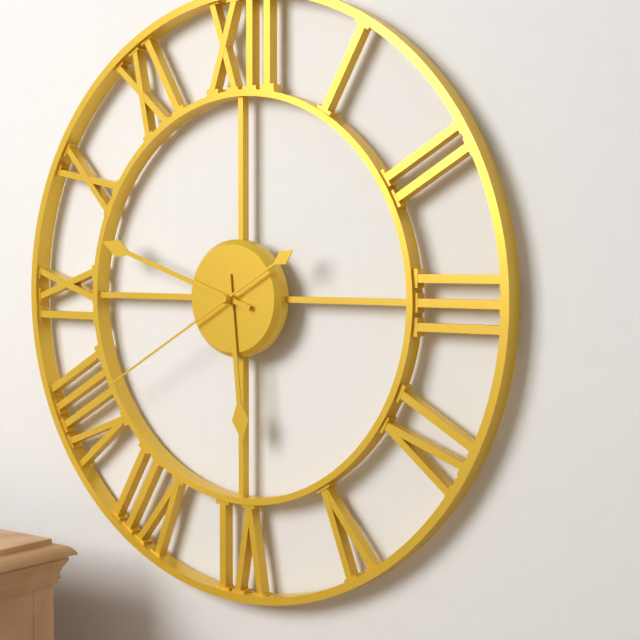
5:48:40
